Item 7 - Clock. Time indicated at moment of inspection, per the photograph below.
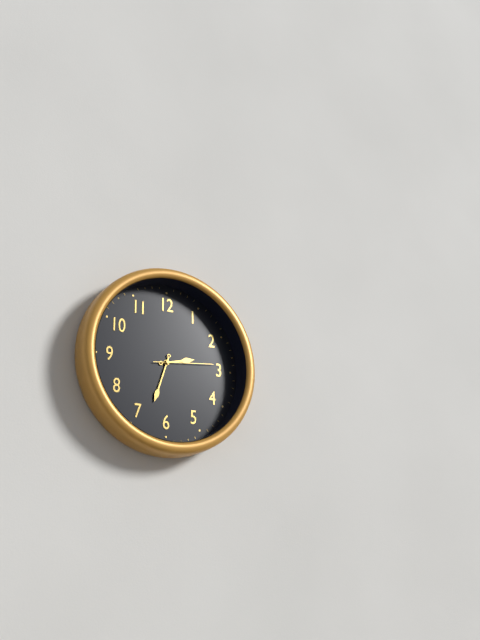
2:33:14
